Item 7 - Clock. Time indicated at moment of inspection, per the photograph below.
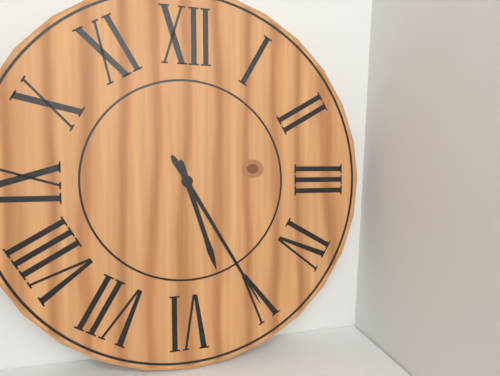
5:25
